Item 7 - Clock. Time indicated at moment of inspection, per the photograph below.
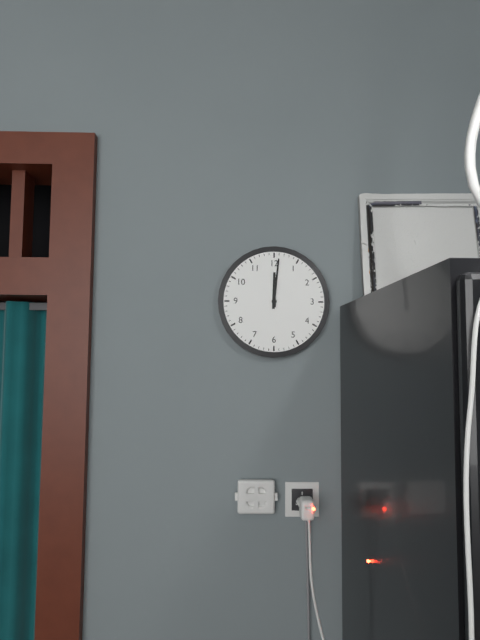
12:01
